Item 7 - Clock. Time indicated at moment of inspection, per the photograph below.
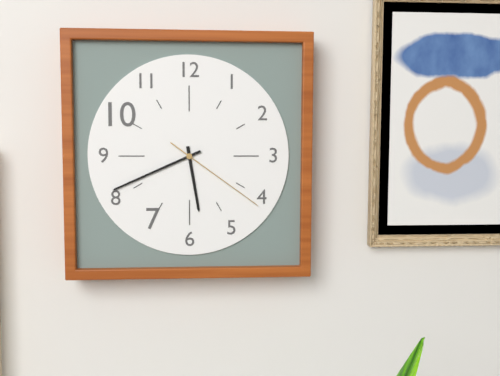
5:41:21
